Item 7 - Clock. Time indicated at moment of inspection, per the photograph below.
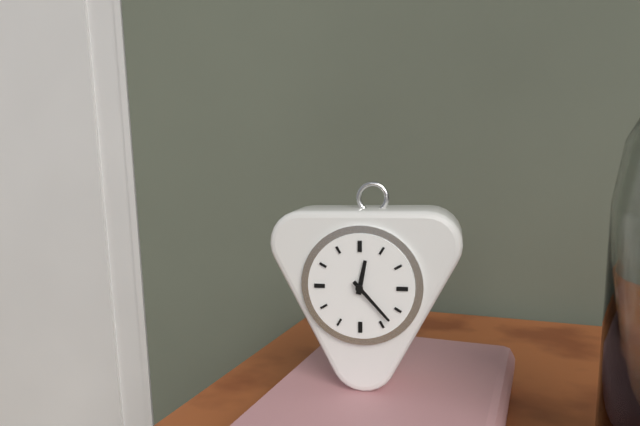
12:23
